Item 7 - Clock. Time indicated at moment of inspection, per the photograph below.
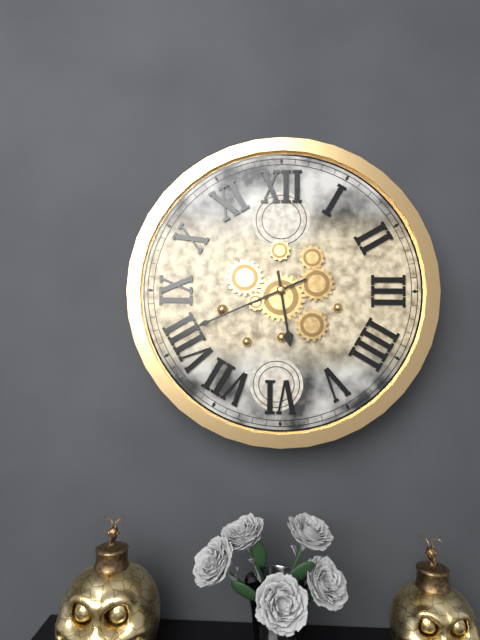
5:41
